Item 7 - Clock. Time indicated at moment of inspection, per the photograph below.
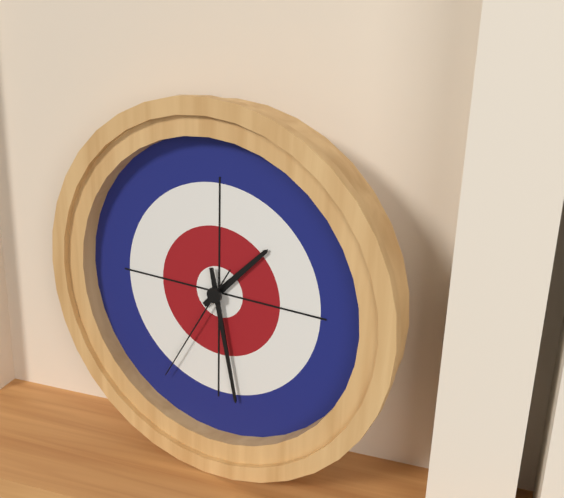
1:28:35
